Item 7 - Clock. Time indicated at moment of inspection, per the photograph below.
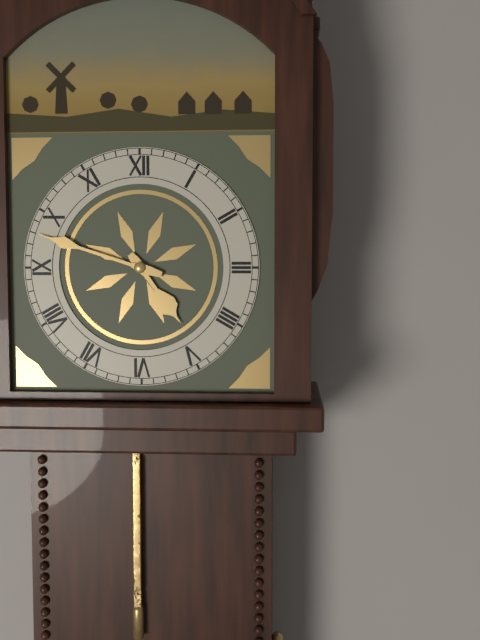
4:48
